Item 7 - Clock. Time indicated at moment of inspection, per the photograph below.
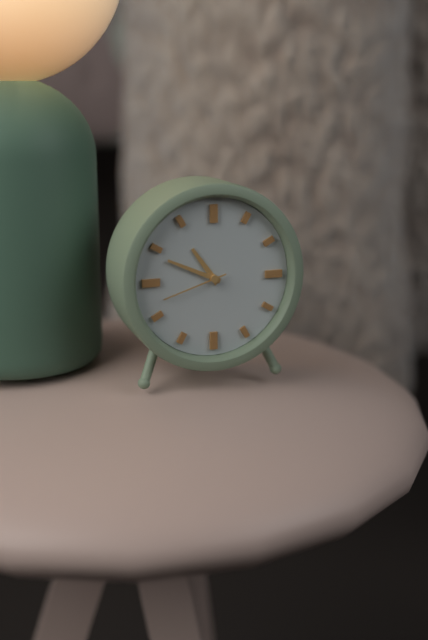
10:49:42
